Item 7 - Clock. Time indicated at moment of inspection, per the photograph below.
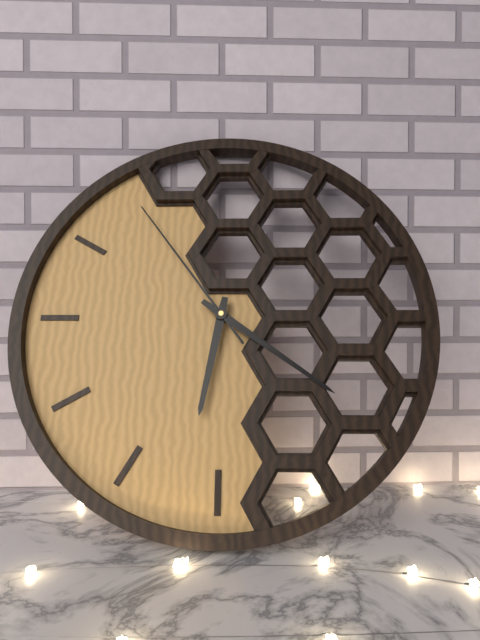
6:21:54
